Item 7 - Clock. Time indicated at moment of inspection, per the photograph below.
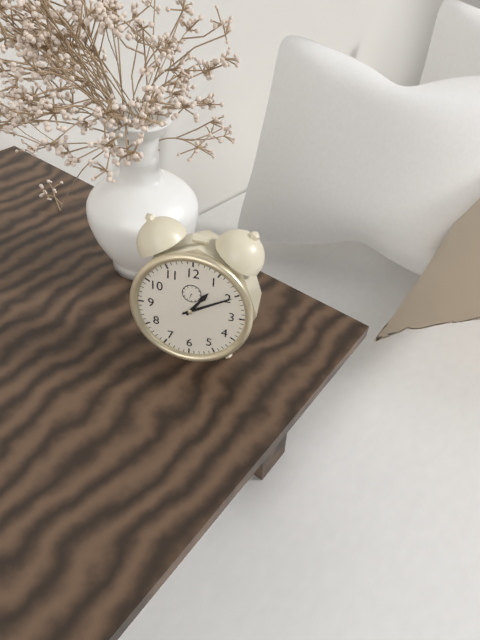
1:10
